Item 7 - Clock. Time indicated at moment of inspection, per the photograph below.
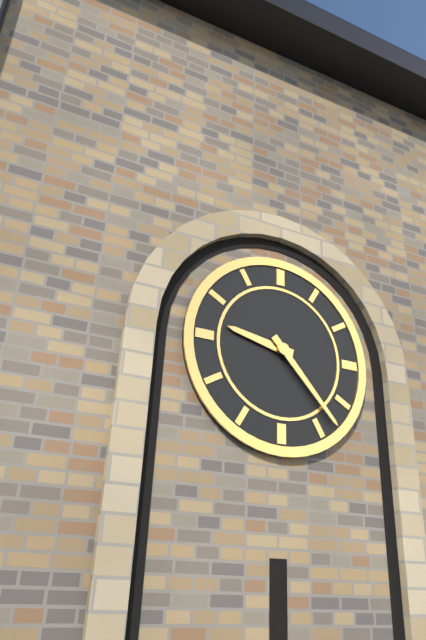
9:23
